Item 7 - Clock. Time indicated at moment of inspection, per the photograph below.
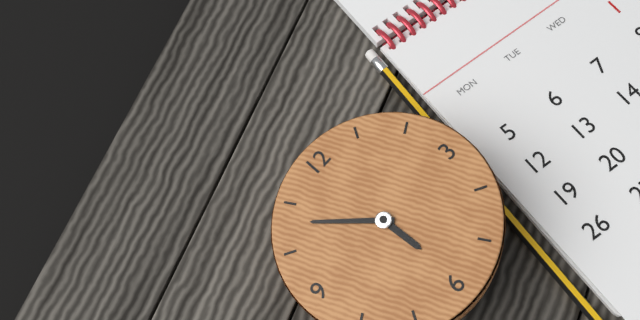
5:53
